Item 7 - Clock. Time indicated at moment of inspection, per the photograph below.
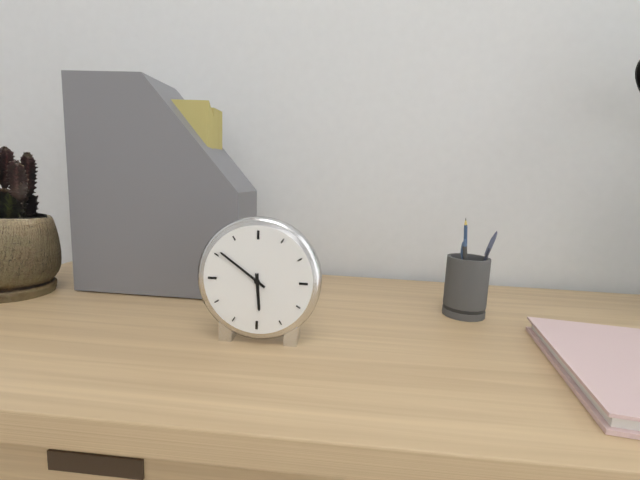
5:51
